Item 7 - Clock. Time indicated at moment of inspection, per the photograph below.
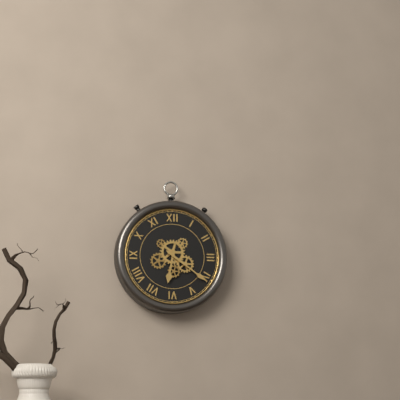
6:21
